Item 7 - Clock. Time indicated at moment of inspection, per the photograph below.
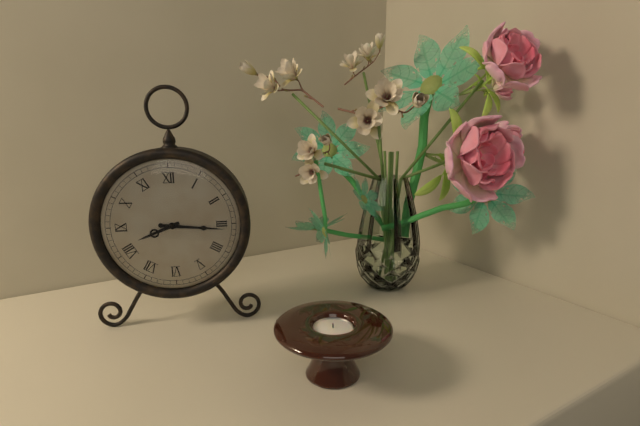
8:16
